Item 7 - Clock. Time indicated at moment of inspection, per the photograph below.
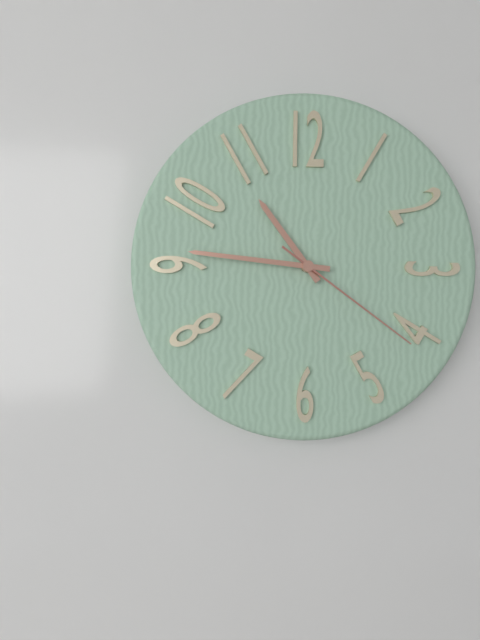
10:46:21
